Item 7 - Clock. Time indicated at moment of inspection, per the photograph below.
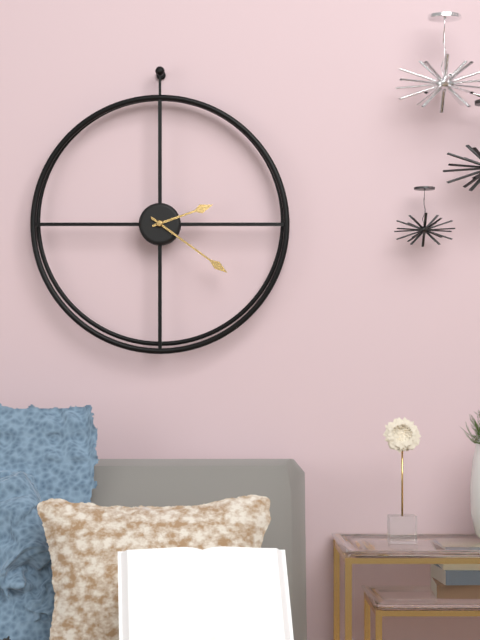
2:21
